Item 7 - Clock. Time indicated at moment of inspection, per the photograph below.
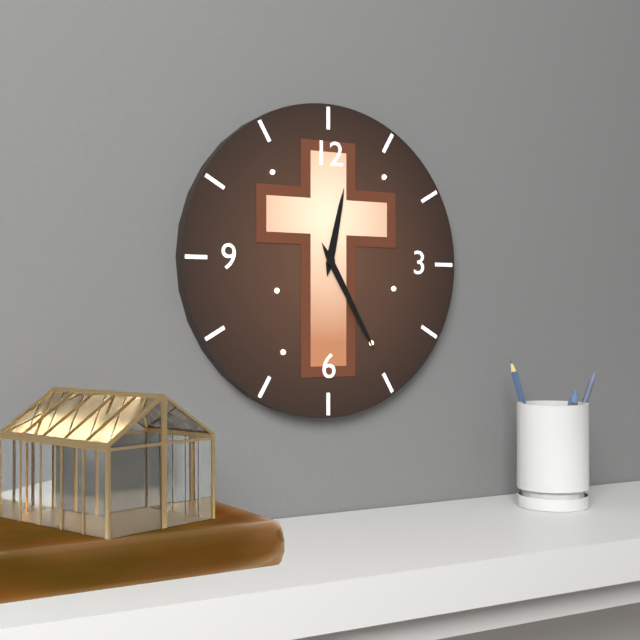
12:25
